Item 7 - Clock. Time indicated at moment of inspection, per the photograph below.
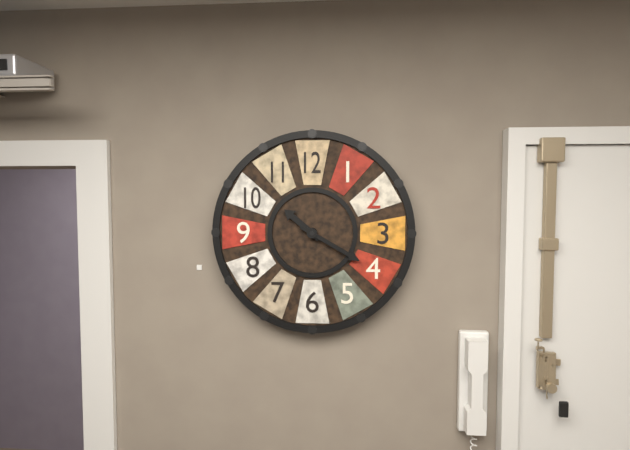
10:20
